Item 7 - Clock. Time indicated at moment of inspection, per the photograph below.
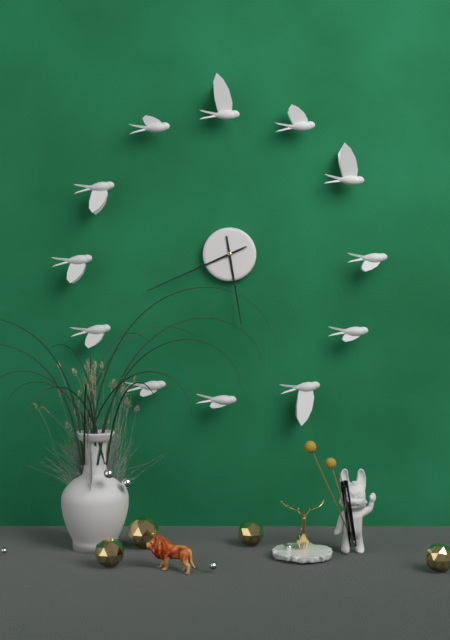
5:41
